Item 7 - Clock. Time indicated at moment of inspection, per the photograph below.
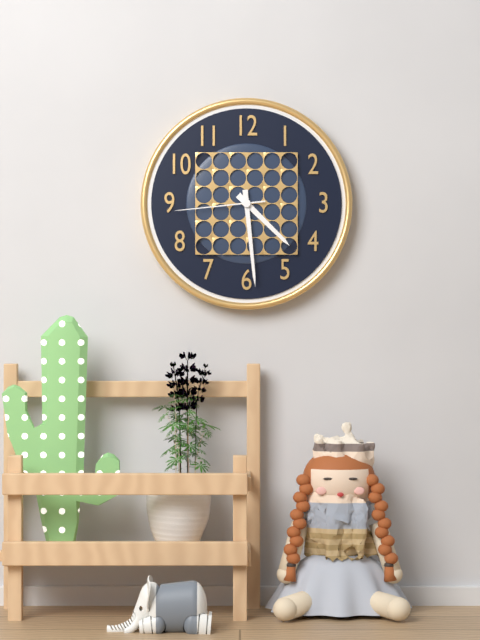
4:29:44
